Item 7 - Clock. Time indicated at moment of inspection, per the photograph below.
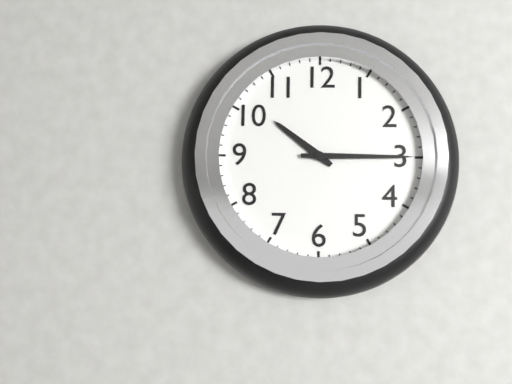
10:15
